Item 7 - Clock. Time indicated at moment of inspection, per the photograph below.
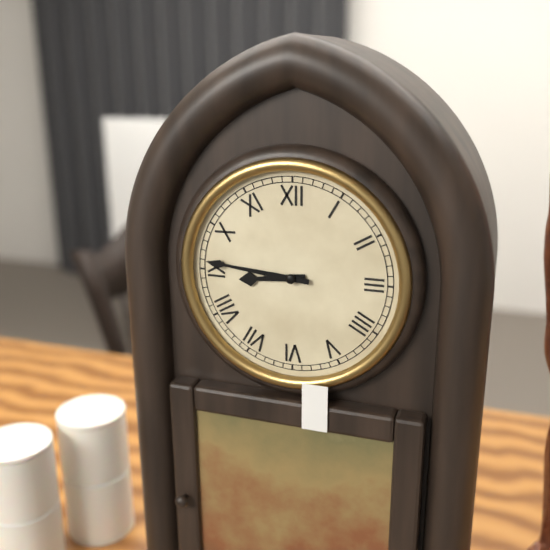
8:46
